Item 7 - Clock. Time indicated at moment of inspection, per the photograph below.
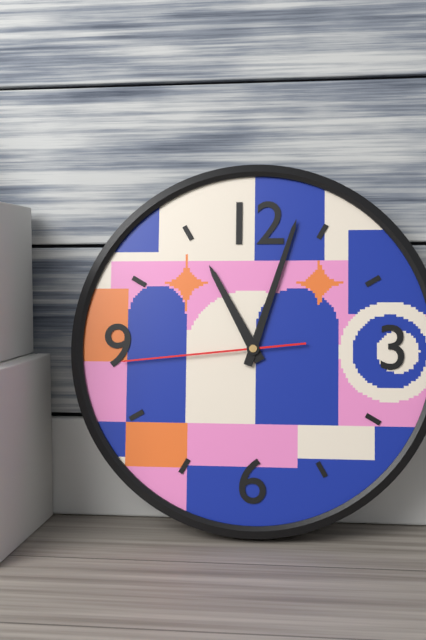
11:03:44
